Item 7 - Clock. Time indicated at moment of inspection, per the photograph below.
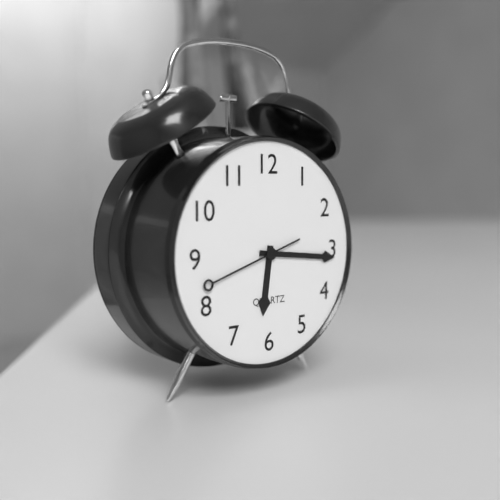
6:16:42
